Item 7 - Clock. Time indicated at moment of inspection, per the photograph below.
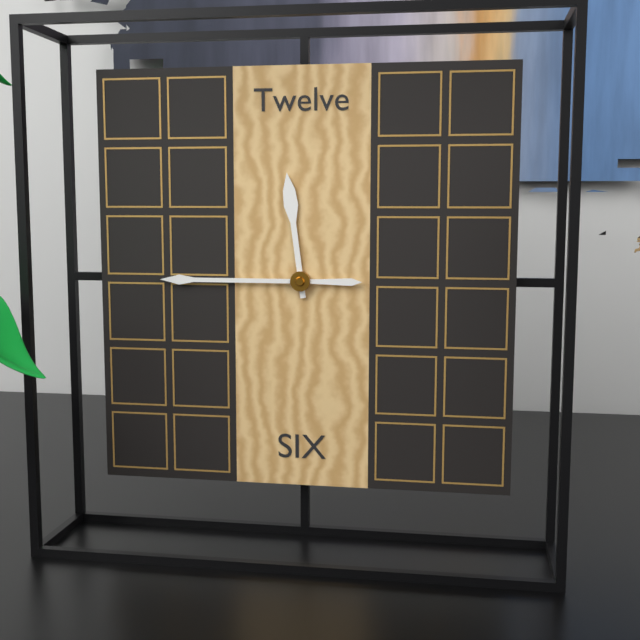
11:45
